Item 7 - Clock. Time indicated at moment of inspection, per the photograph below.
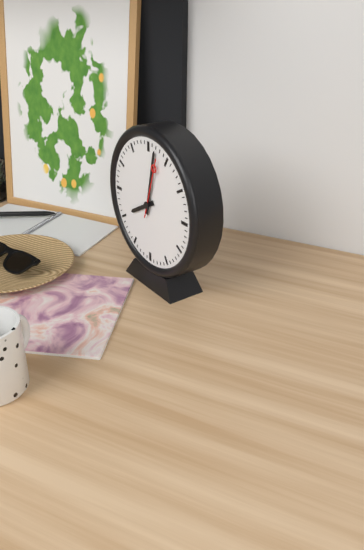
8:02:03
